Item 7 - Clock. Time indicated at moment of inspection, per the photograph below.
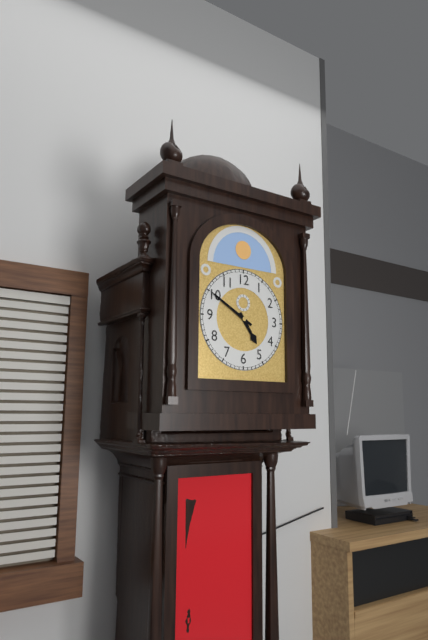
4:50
